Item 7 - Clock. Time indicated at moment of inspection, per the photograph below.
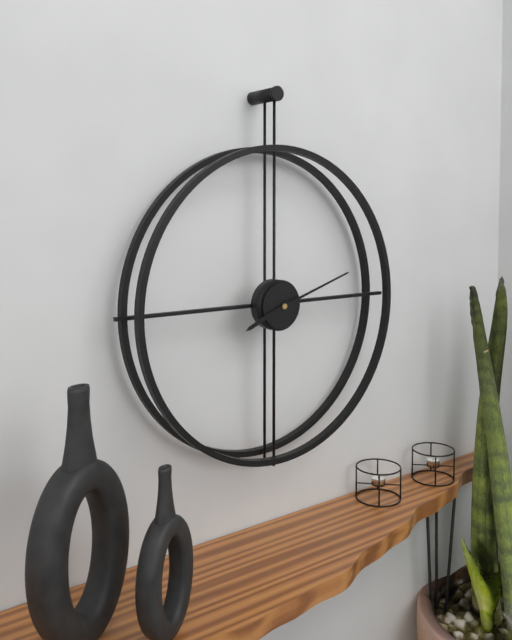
8:12
